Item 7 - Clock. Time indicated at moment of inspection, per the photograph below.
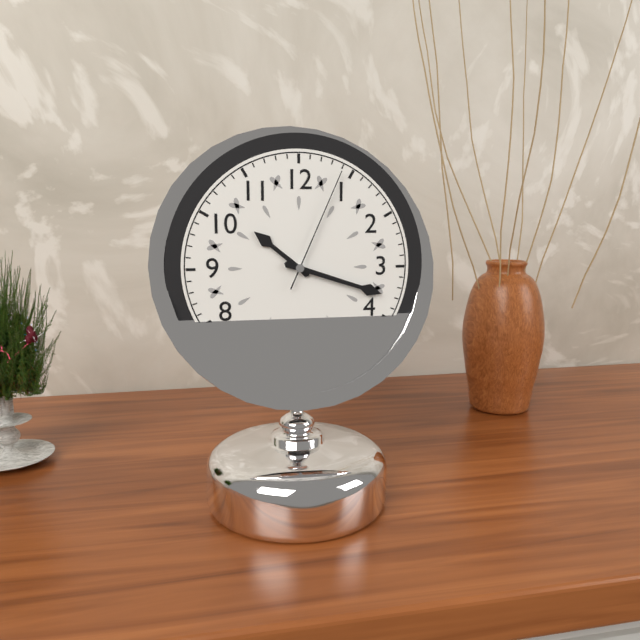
10:18:04
